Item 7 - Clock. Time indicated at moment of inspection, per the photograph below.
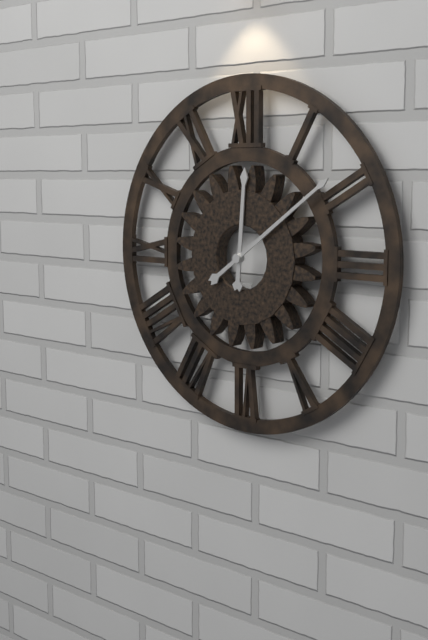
12:09
